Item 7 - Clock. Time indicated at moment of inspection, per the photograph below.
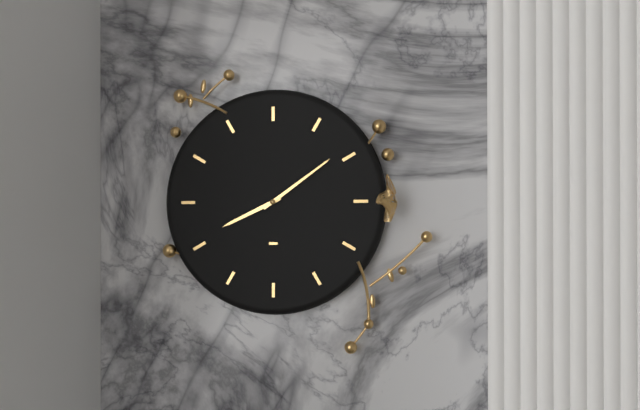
8:09
